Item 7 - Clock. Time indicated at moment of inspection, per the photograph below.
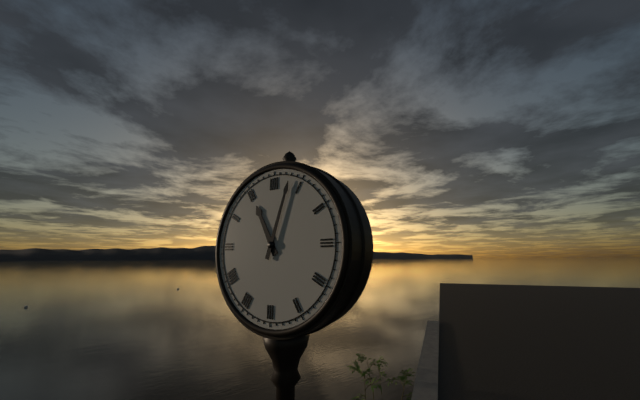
11:03
